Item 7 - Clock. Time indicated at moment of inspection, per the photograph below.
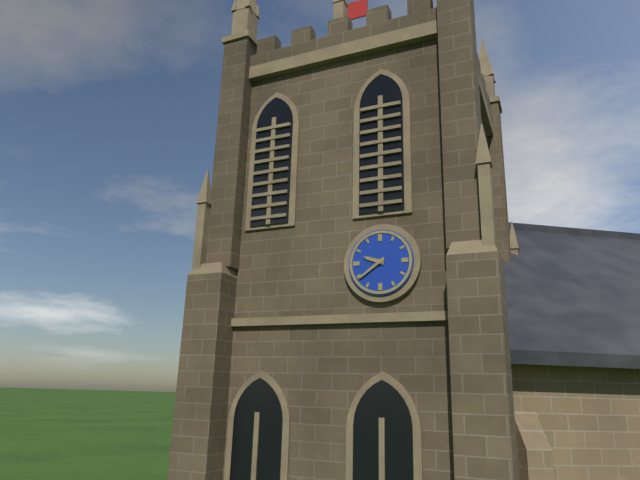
9:39
